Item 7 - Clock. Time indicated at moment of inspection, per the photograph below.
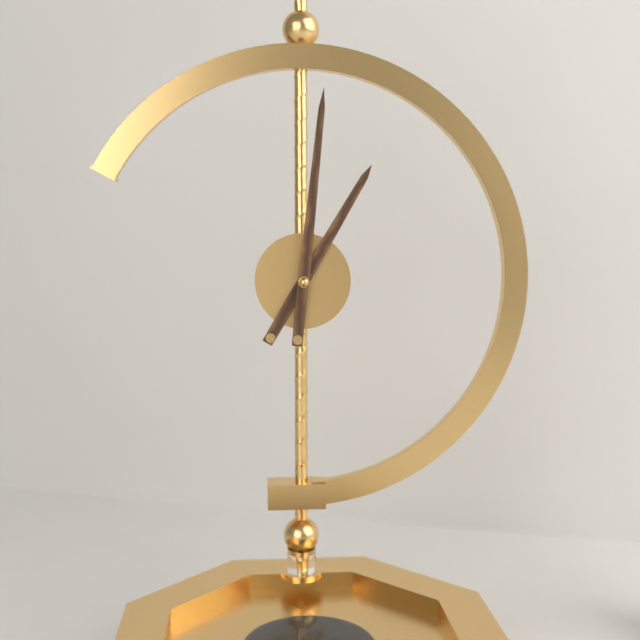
1:01
